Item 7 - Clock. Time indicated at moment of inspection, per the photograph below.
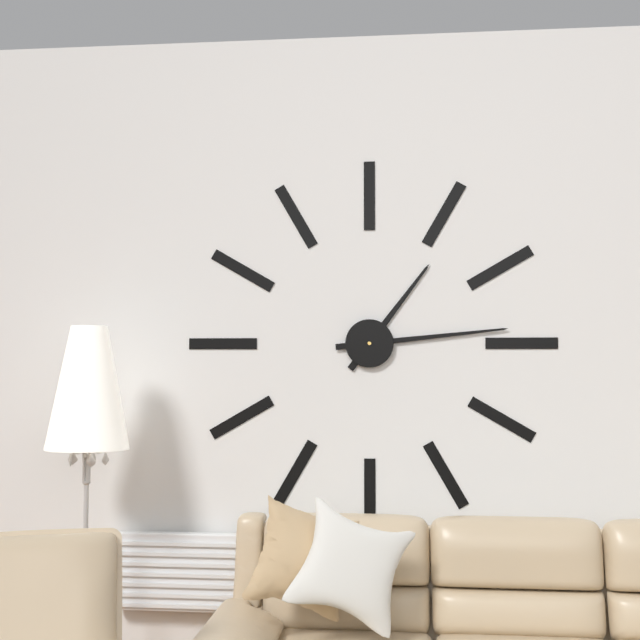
1:14
